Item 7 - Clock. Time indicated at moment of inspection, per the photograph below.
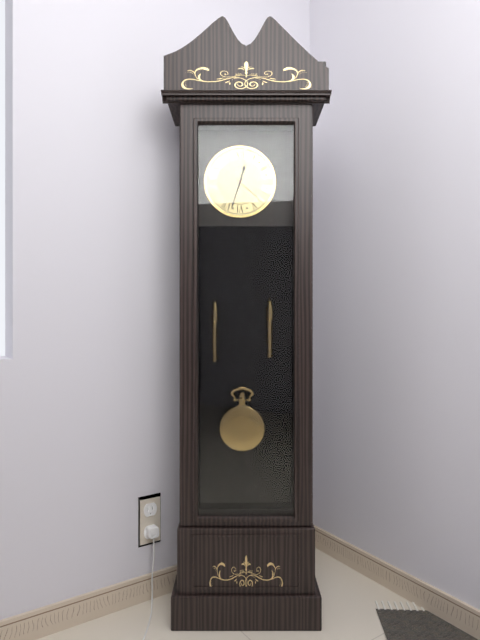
12:33
